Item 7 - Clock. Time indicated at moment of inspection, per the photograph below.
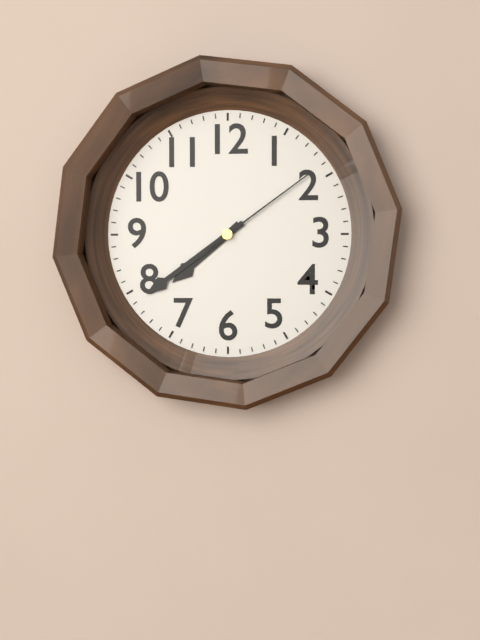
7:39:09
